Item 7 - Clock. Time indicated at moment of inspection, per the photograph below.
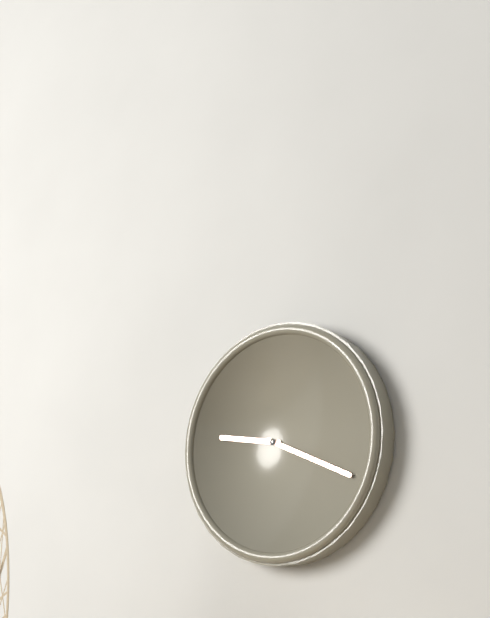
9:19
